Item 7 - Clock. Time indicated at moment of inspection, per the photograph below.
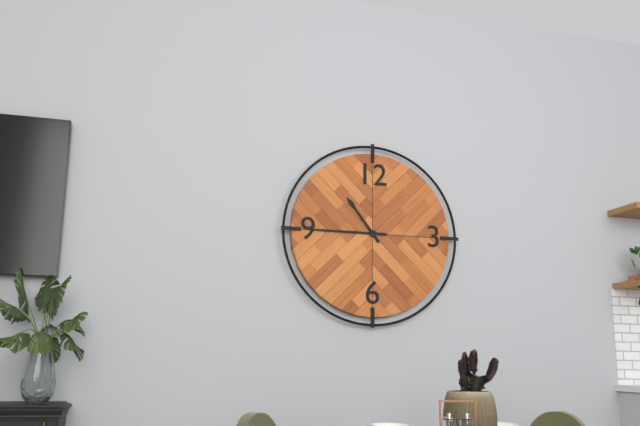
10:45
